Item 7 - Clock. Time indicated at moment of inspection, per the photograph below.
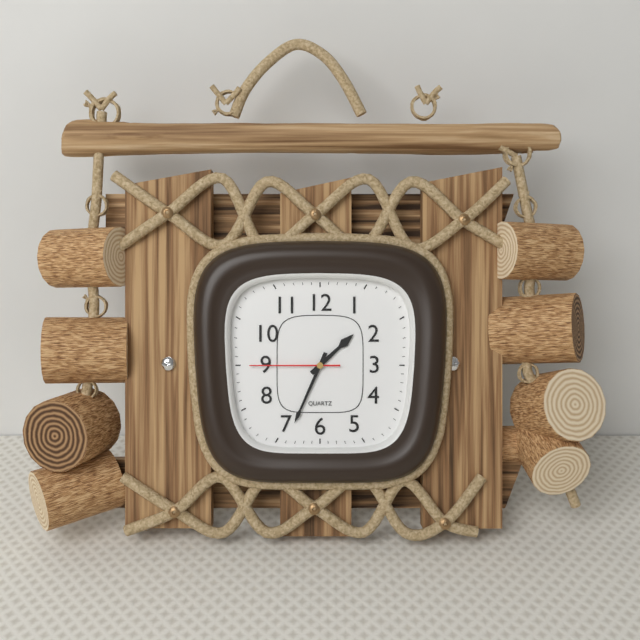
1:34:45
